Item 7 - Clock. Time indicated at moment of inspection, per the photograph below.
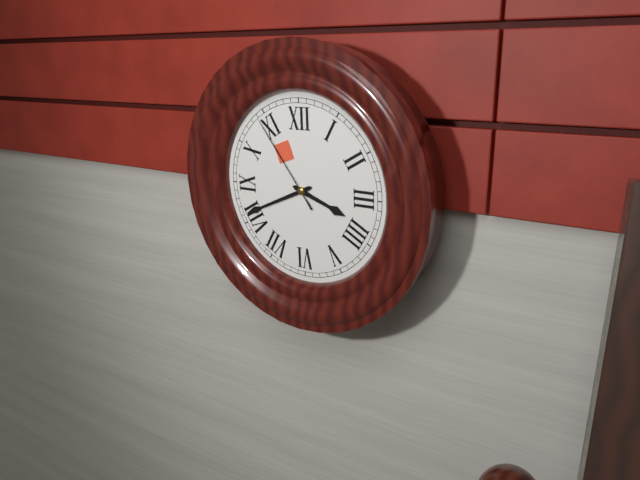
3:41:54
